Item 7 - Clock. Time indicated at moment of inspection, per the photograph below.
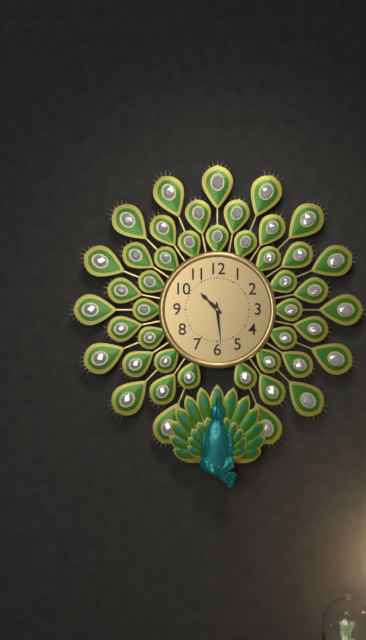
10:29
